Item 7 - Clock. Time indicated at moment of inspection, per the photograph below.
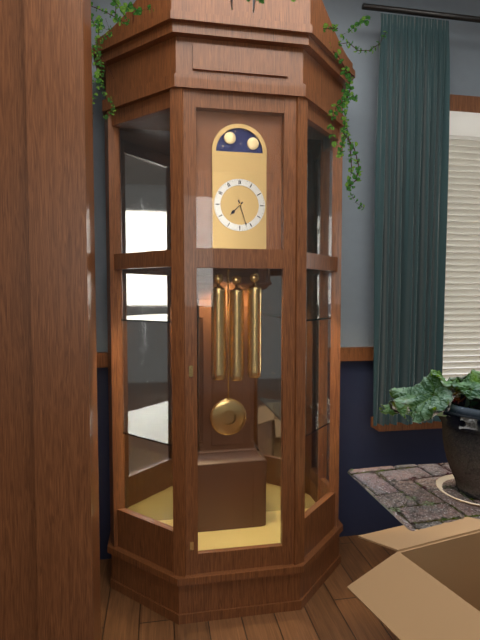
7:27
